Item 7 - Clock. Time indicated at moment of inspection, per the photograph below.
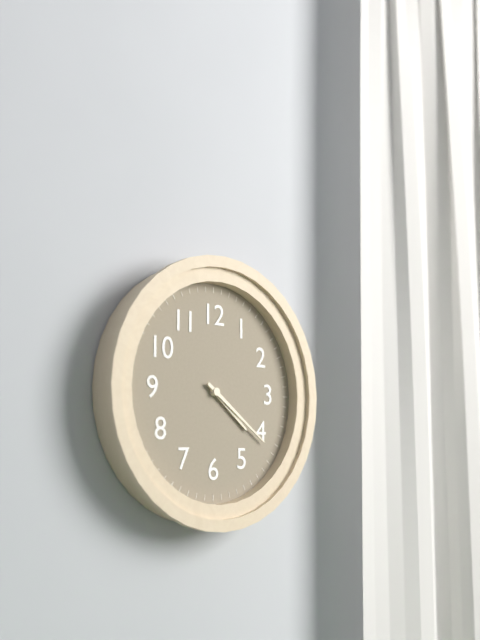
4:21
